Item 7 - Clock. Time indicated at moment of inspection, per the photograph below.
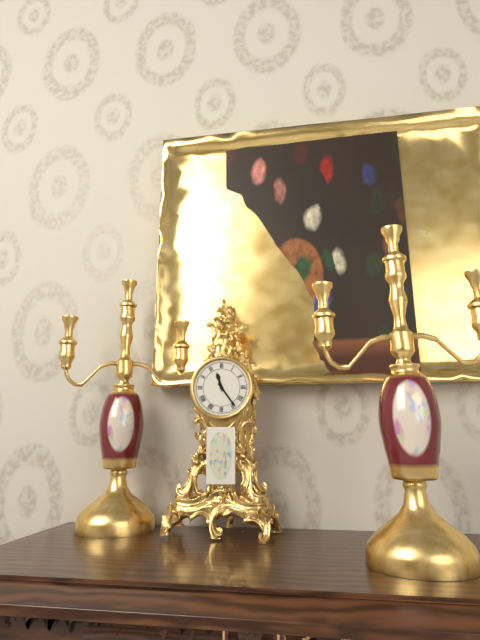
11:24
